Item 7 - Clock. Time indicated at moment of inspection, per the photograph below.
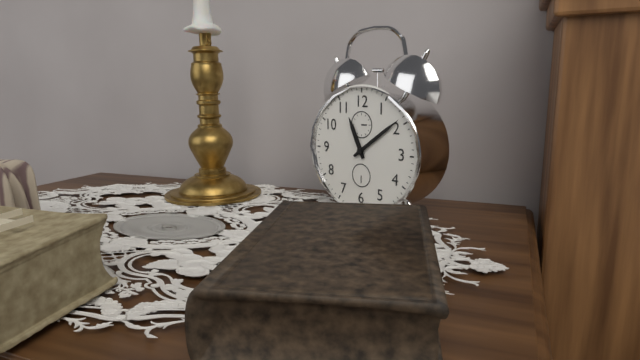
11:09
